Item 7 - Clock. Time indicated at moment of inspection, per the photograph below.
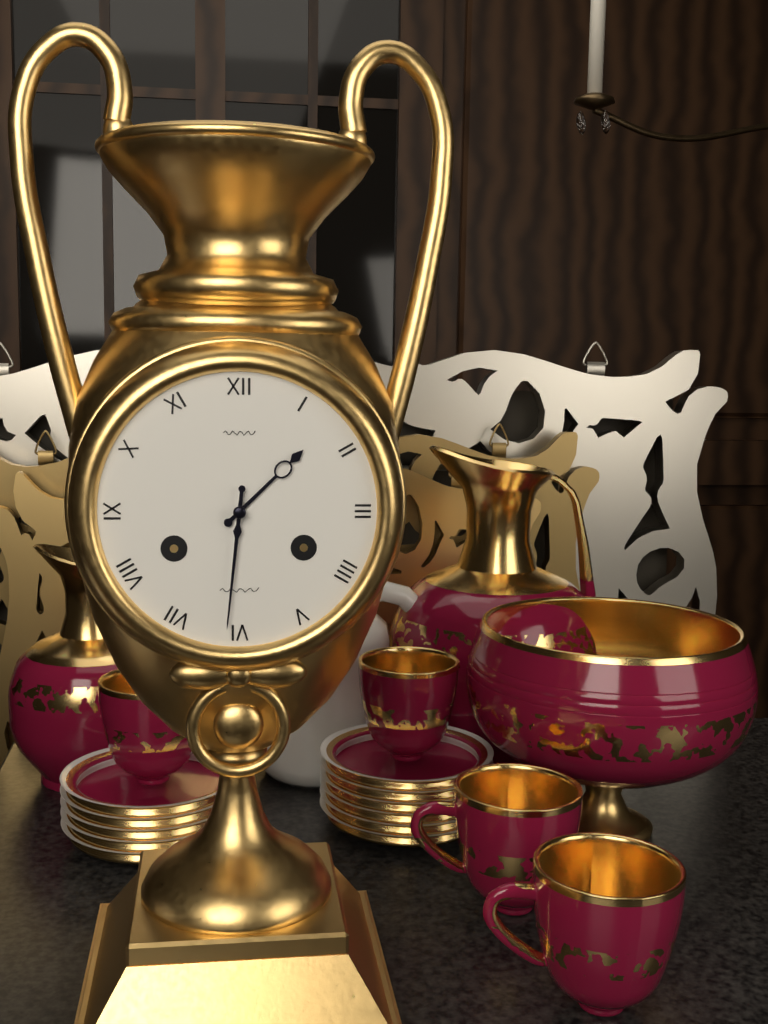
1:31
